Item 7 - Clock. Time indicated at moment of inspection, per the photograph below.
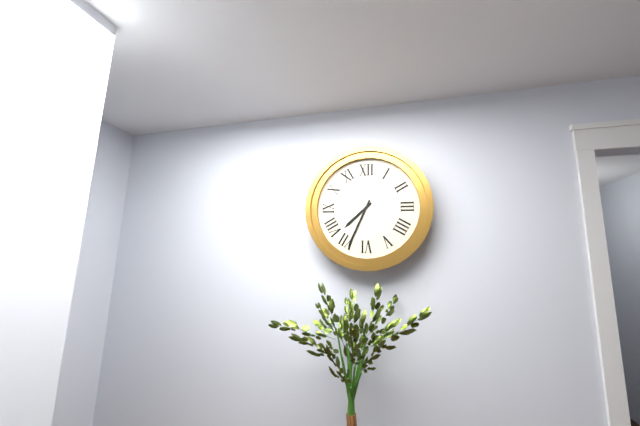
7:34
